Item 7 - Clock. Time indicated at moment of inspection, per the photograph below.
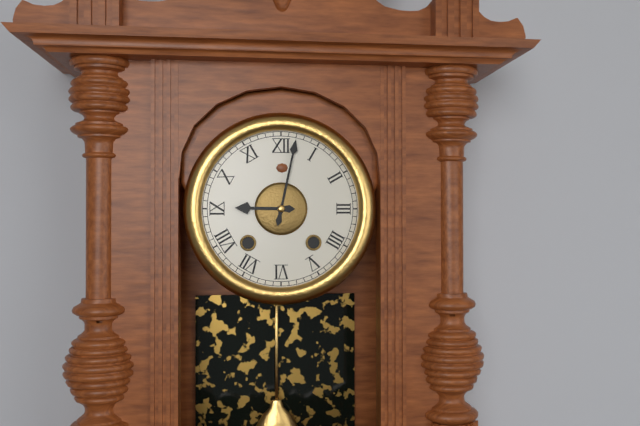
9:02
